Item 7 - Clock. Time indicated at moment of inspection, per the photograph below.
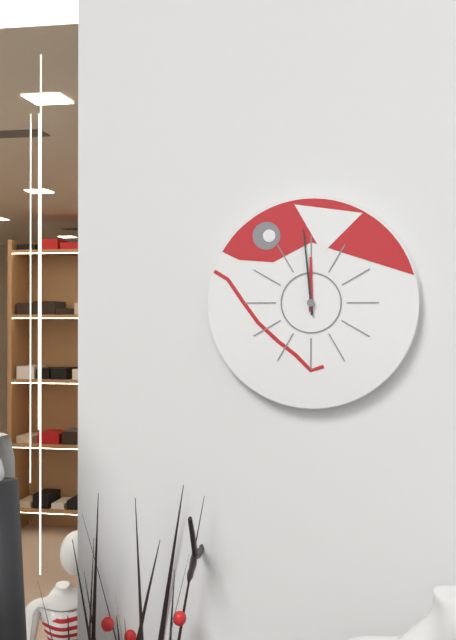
11:59
